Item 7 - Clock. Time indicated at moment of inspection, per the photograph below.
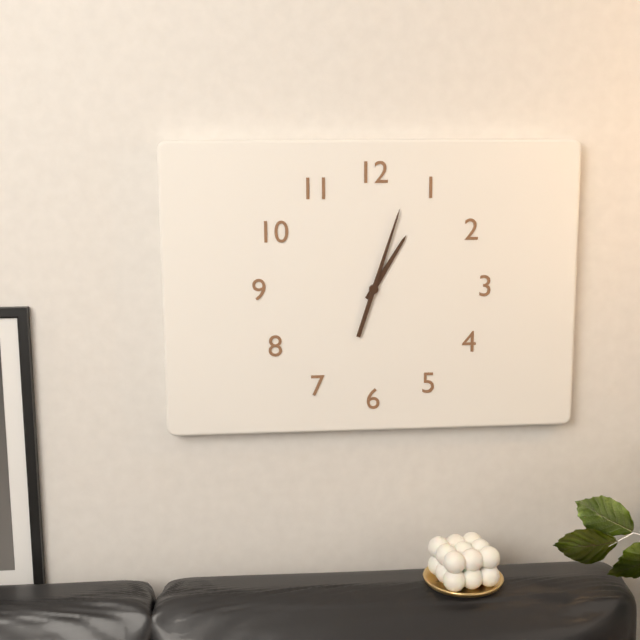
1:03
